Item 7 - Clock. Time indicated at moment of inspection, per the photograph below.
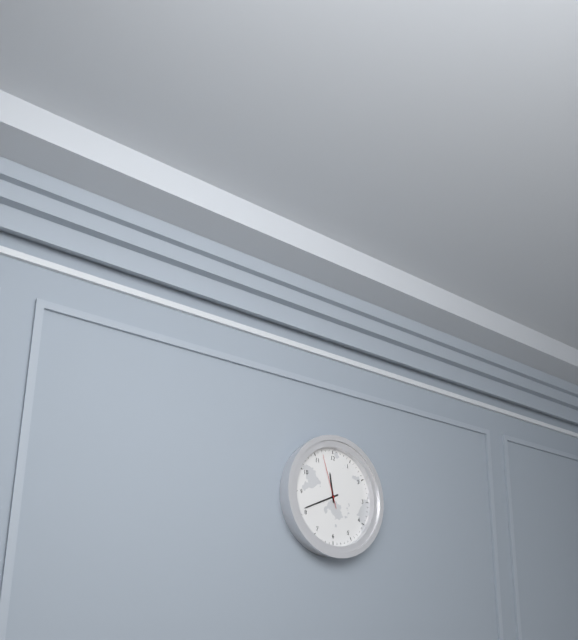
11:41:57
